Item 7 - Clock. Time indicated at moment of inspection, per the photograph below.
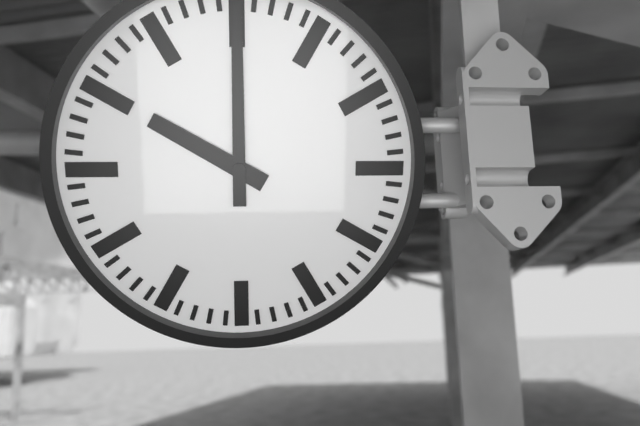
10:00
